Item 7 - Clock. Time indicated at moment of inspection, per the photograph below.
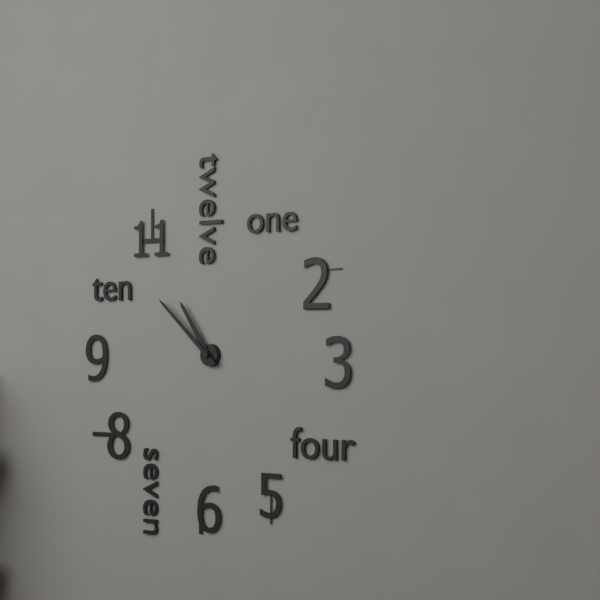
10:52
